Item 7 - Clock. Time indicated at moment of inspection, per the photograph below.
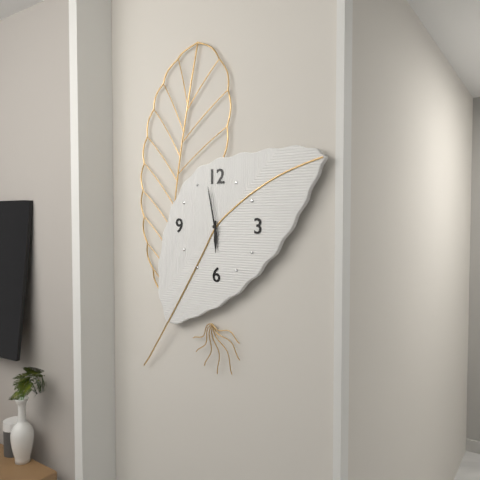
5:58
